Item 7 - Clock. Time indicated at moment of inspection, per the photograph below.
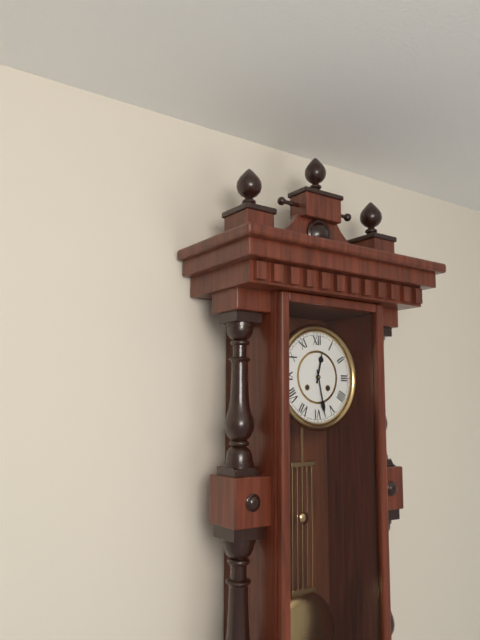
12:28
